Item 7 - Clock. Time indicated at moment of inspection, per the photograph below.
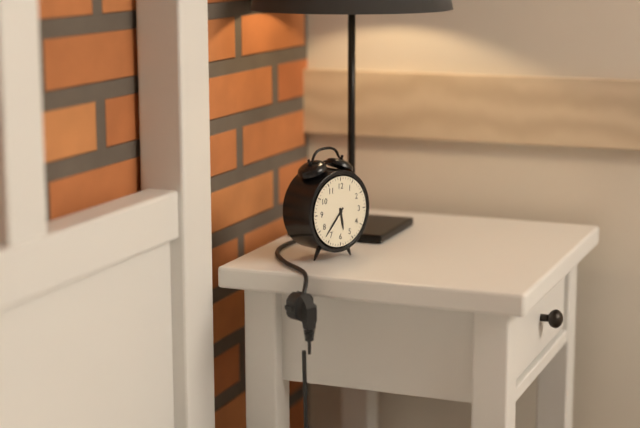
5:37
